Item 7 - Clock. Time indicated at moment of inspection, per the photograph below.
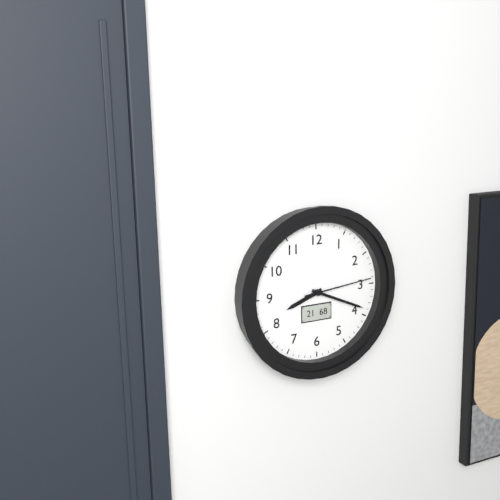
8:19:14
